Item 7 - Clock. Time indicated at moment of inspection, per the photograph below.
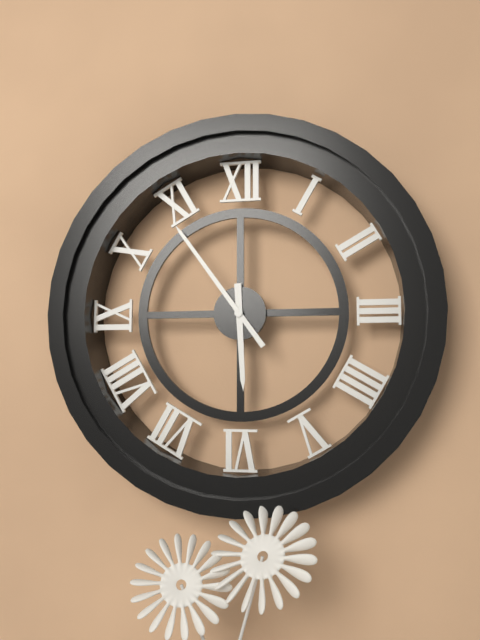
5:54
